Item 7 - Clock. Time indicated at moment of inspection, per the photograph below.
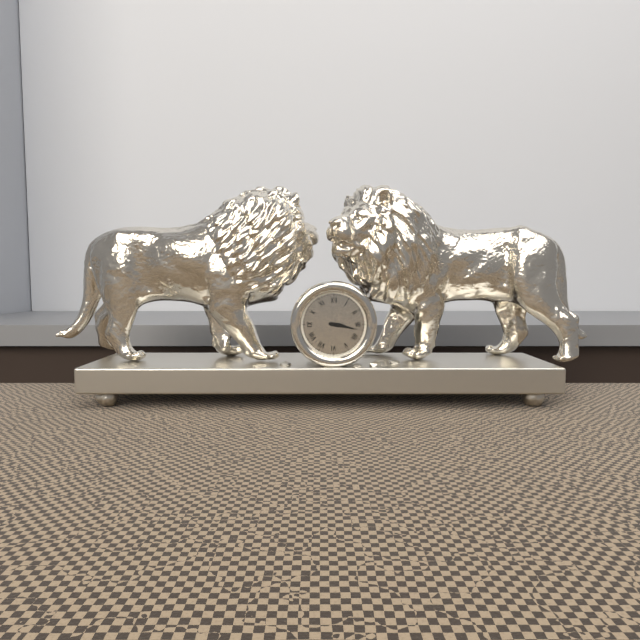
3:17
